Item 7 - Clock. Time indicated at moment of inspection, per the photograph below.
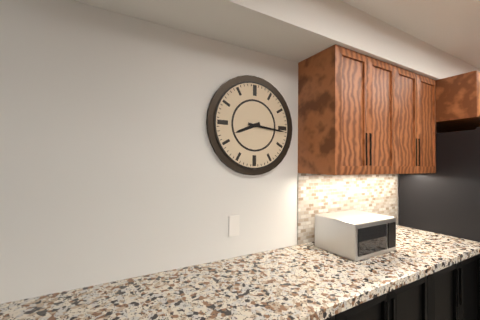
8:16
